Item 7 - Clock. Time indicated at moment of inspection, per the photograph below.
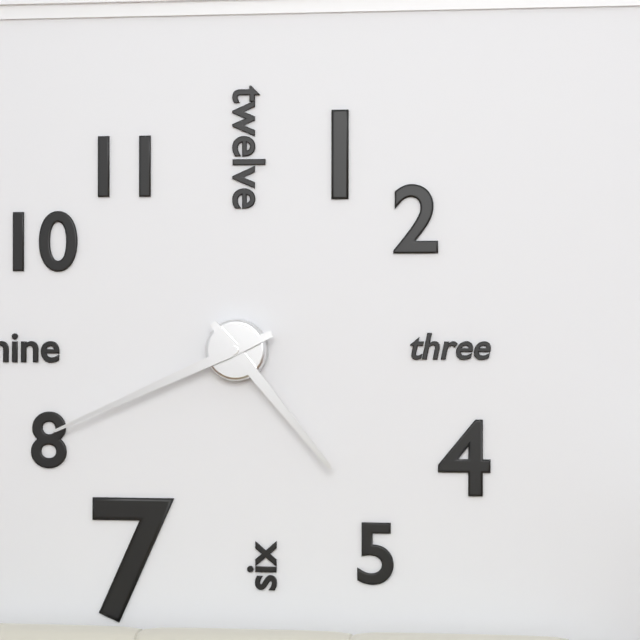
4:41
